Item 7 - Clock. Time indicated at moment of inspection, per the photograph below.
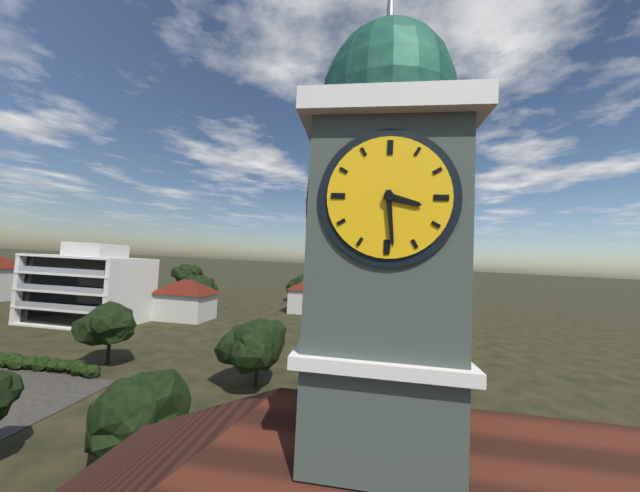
3:29
